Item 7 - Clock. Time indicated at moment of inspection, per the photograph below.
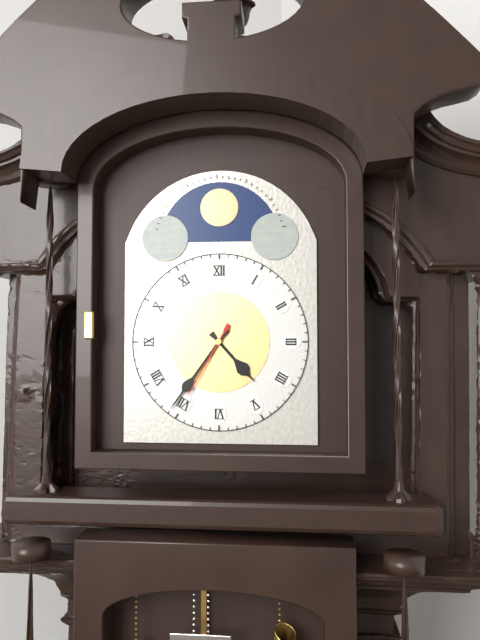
4:36:35
